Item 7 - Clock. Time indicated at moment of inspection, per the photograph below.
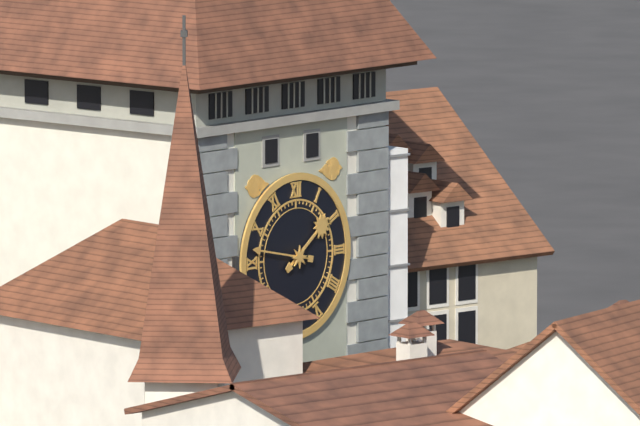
1:47
